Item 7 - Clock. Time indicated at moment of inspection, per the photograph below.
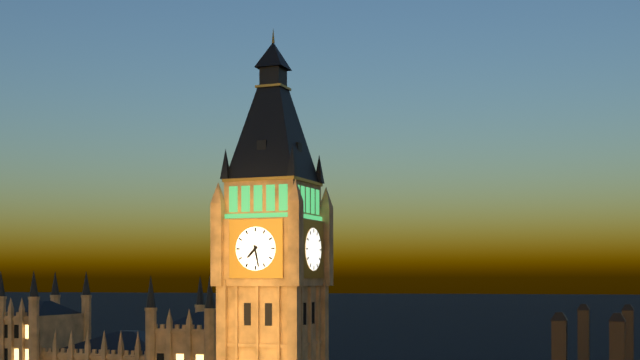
7:28
